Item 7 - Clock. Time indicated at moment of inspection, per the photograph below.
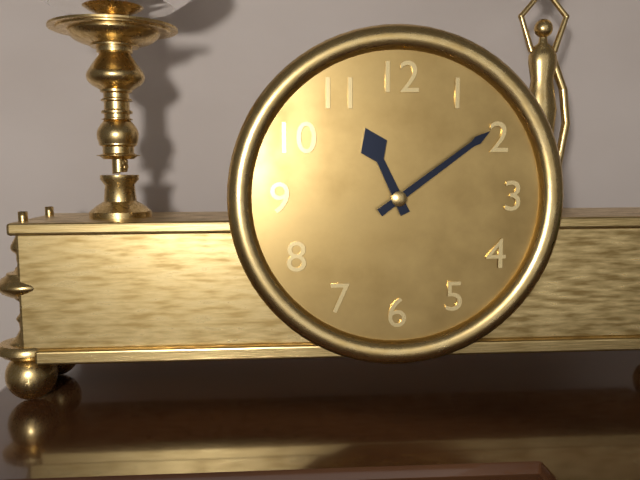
11:09
